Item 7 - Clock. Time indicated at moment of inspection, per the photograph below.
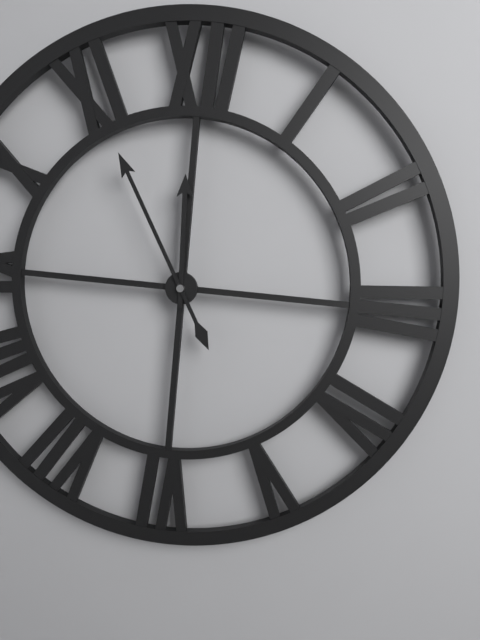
11:55
